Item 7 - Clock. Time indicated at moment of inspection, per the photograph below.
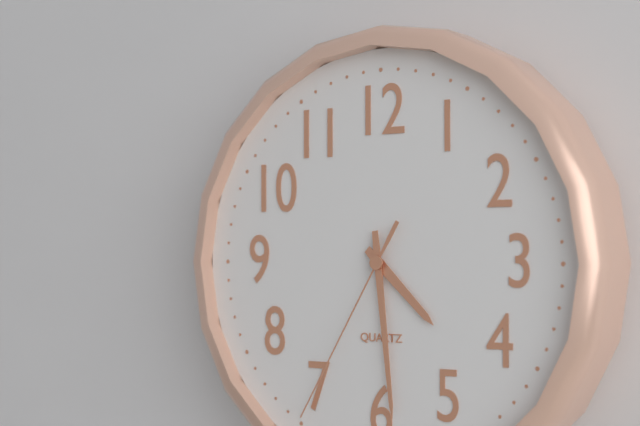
4:29:35
